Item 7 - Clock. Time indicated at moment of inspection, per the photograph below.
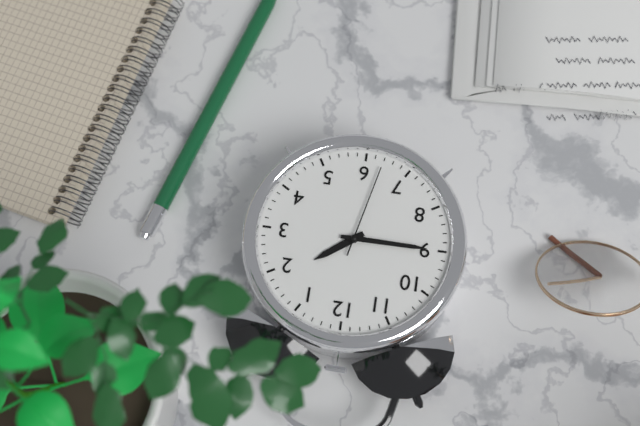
1:45:32
